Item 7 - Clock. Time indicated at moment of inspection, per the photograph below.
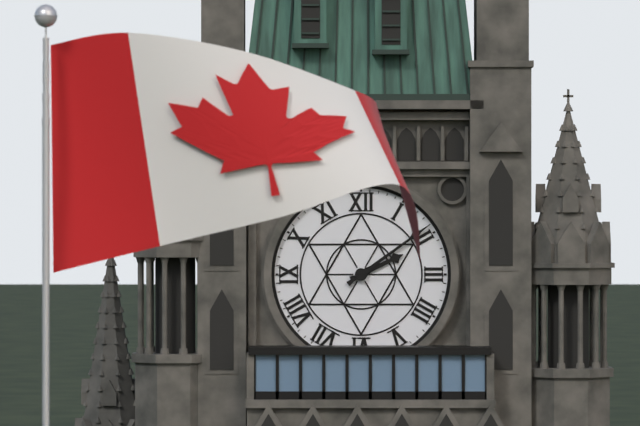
2:09
